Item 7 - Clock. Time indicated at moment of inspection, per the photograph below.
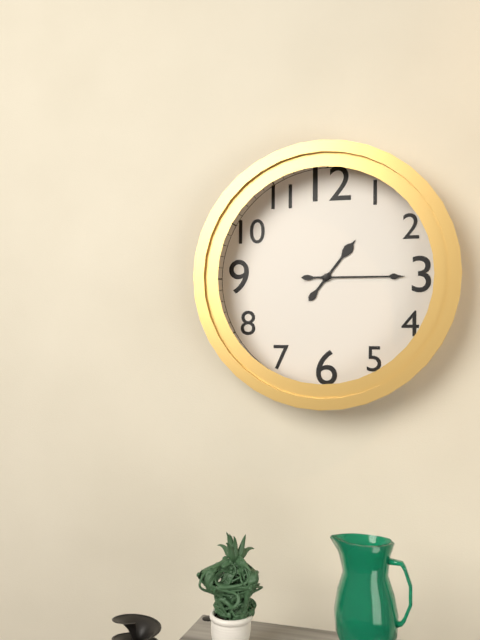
1:15
